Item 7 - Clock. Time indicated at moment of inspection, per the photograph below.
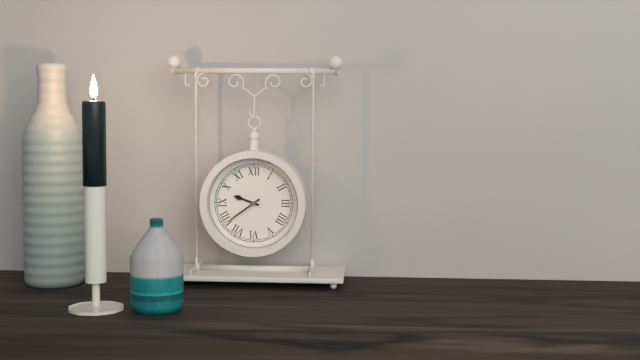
9:39
